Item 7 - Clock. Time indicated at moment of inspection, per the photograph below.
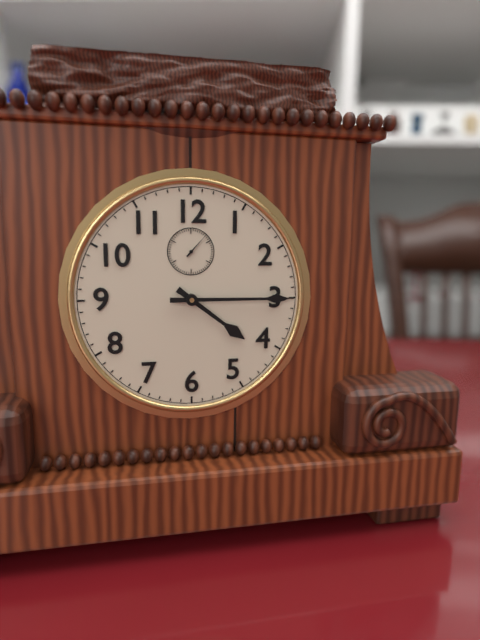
4:15
